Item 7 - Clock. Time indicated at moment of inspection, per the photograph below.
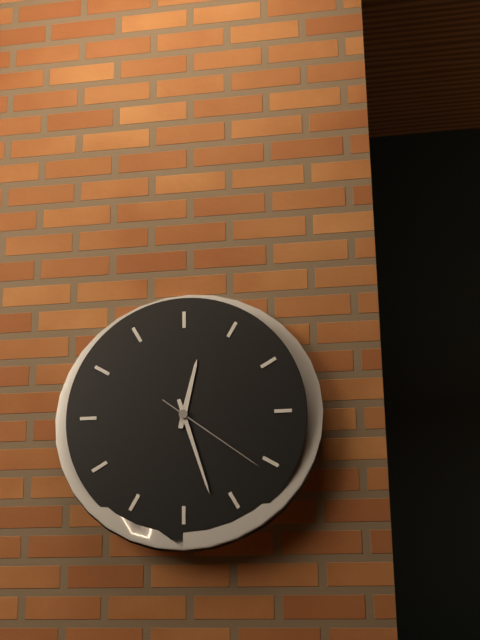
12:27:21
